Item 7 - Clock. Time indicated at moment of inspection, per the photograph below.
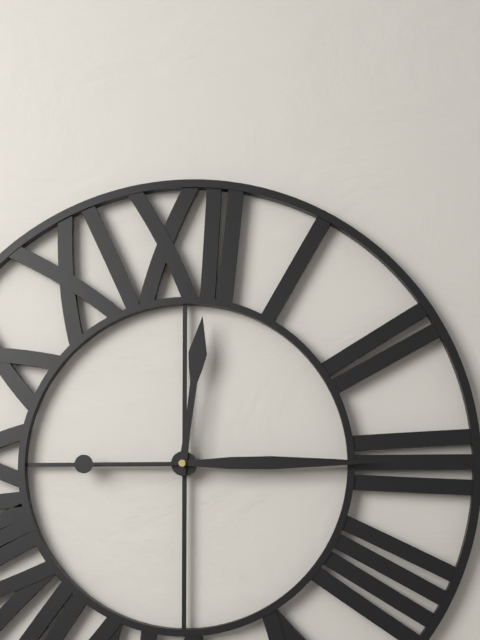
12:15
